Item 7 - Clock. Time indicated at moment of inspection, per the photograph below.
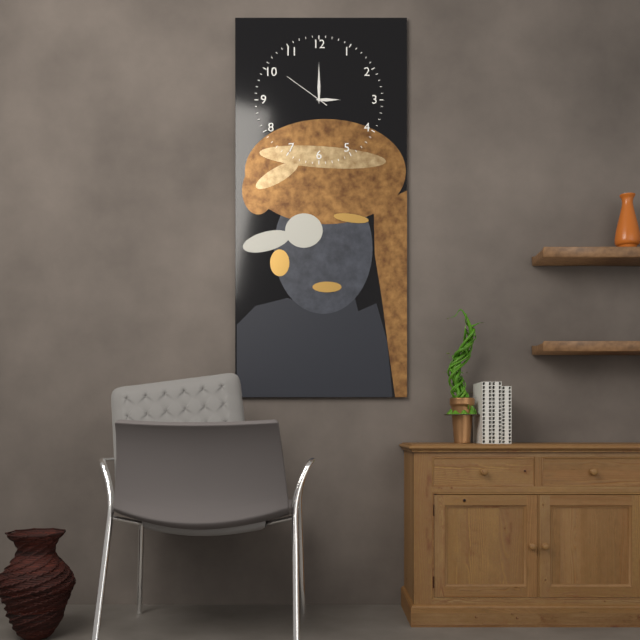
3:00
